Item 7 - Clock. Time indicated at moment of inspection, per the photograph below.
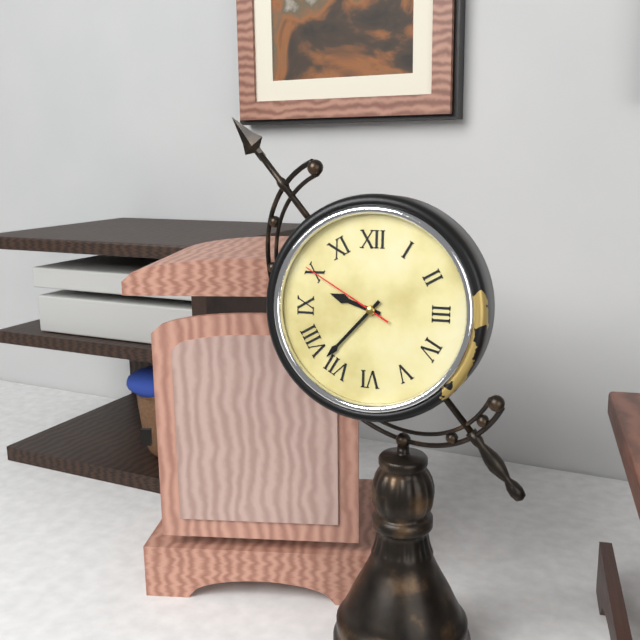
9:37:50
